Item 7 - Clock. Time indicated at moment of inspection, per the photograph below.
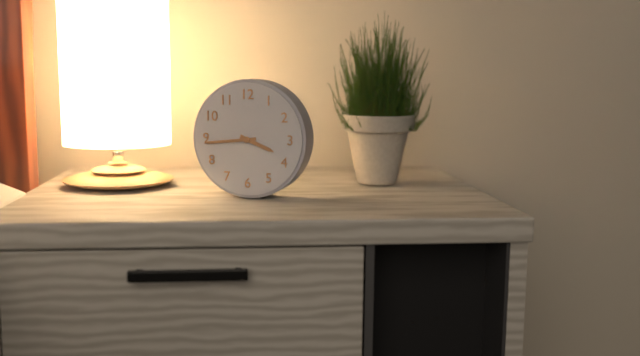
3:44
